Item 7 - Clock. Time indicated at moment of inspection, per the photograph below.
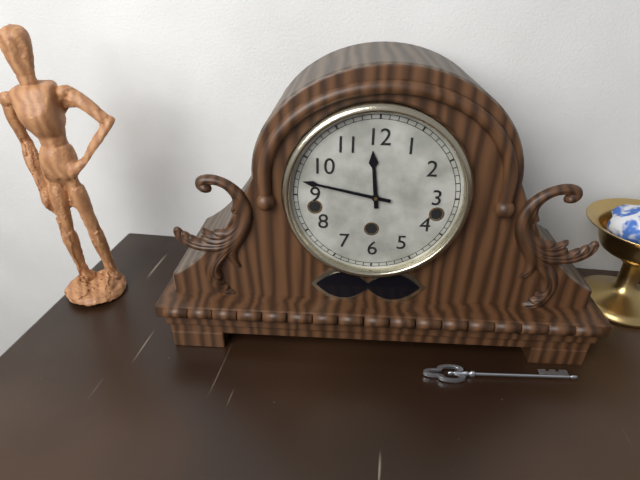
11:47
